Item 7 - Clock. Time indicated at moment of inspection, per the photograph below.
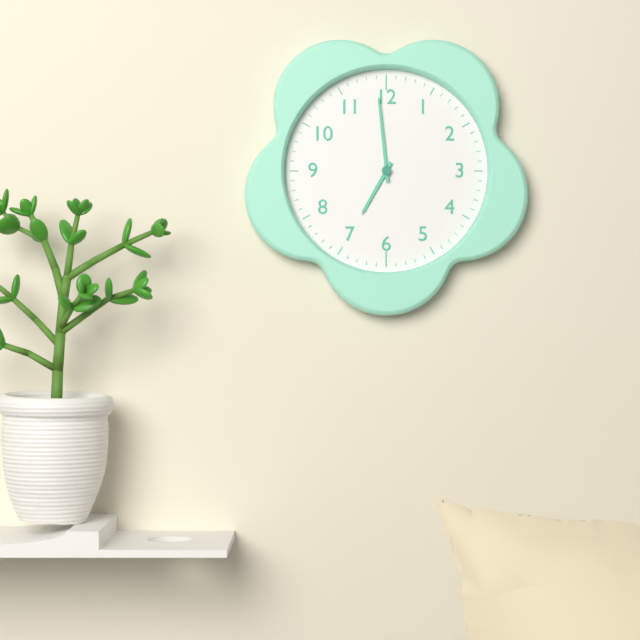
6:59
